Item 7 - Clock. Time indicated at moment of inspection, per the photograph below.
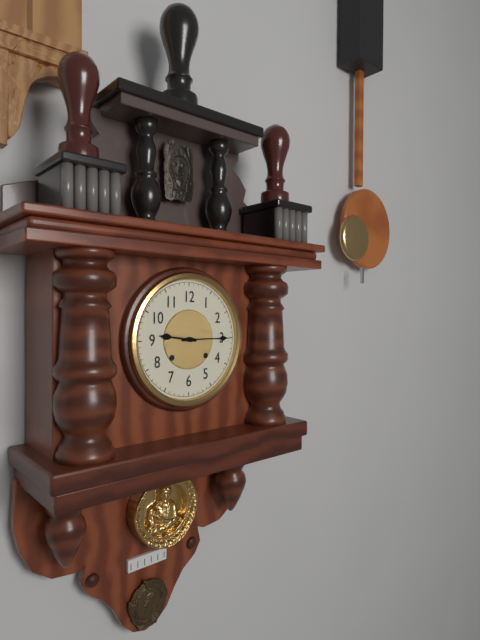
9:15
